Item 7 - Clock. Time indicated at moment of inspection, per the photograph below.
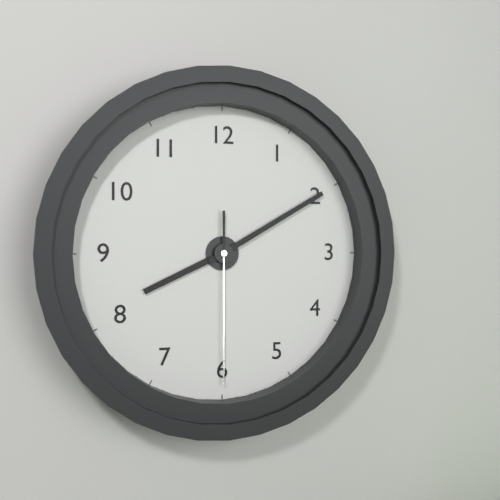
8:10:30
